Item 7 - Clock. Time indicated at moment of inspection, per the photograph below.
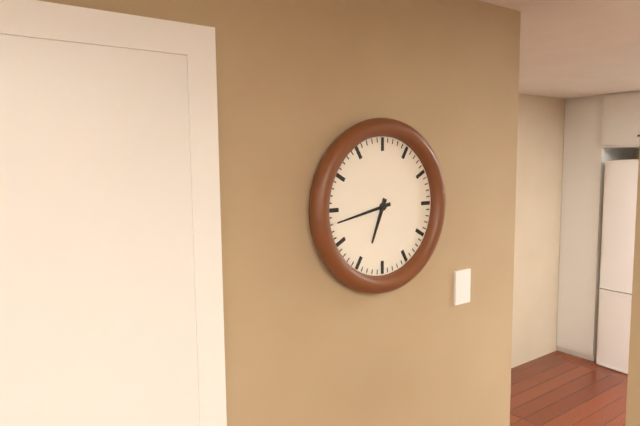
6:43
